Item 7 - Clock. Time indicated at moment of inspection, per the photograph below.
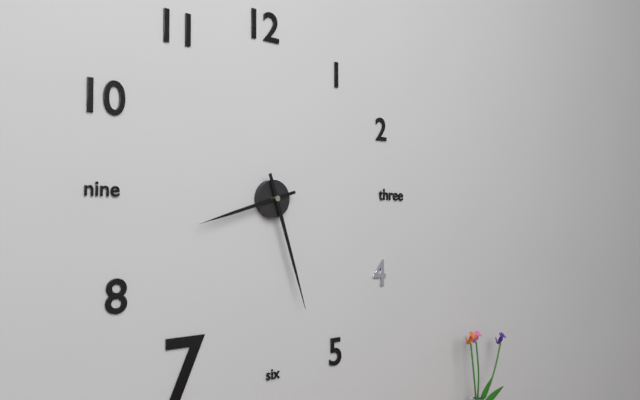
8:27
